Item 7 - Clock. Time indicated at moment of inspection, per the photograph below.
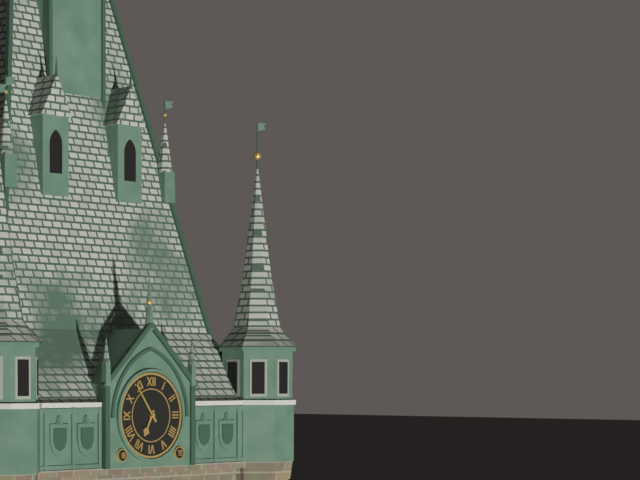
6:54
